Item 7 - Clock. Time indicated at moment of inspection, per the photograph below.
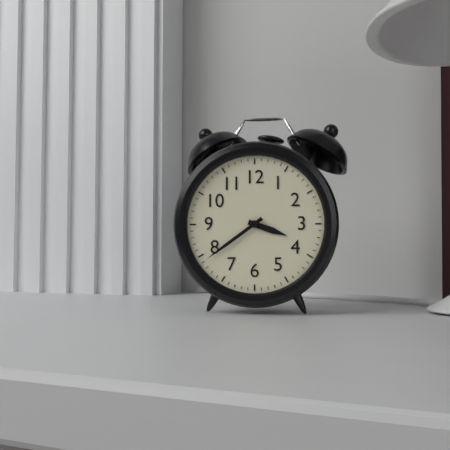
3:39
